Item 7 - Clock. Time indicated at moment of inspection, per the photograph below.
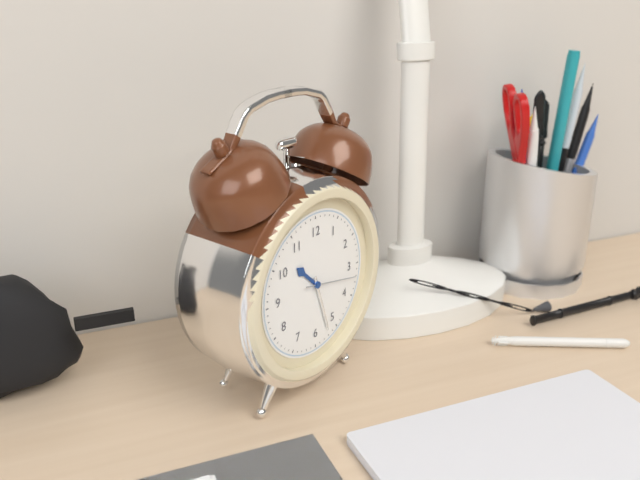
10:27:17
